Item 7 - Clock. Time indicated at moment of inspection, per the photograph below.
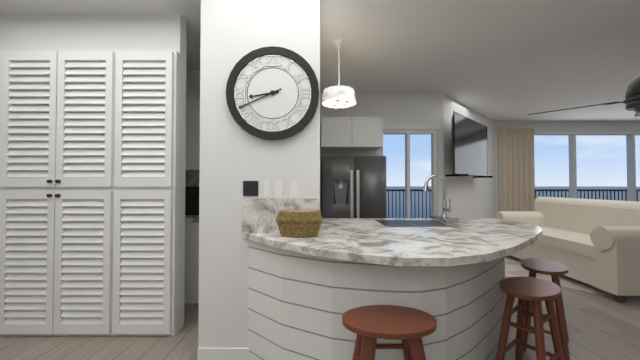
8:41
